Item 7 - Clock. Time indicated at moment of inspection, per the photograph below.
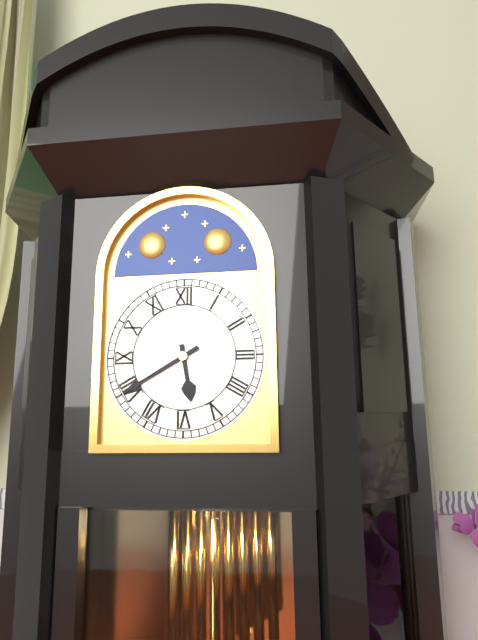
5:40
